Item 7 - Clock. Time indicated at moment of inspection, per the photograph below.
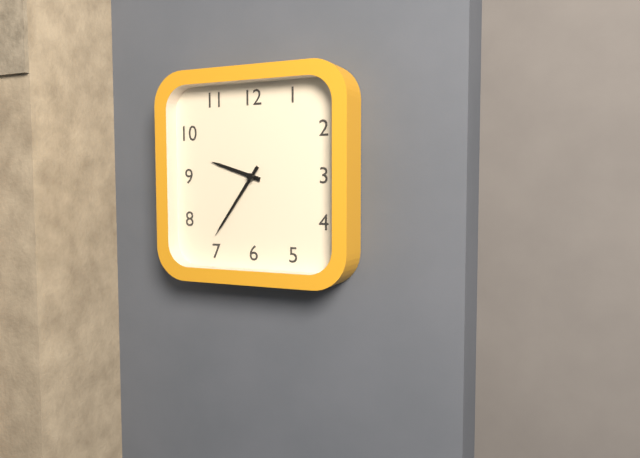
9:36
